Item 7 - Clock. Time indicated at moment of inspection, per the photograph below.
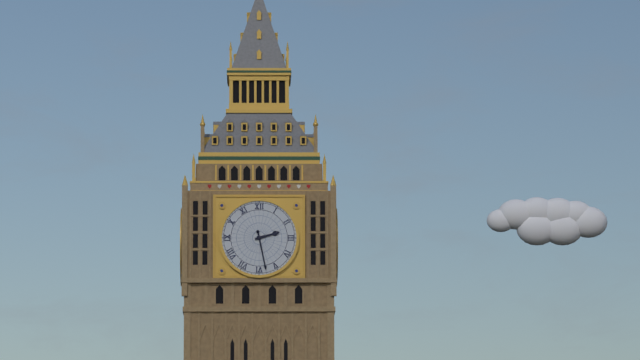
2:28
